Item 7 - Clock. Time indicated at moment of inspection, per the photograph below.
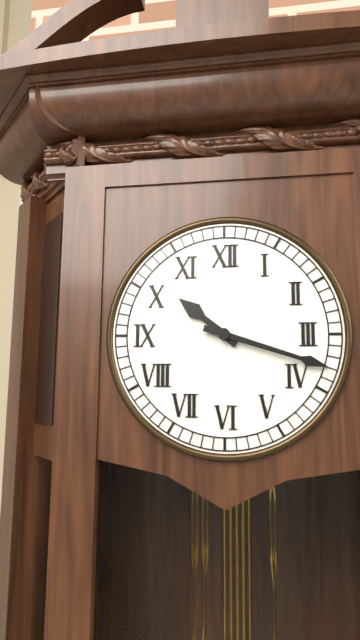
10:18
